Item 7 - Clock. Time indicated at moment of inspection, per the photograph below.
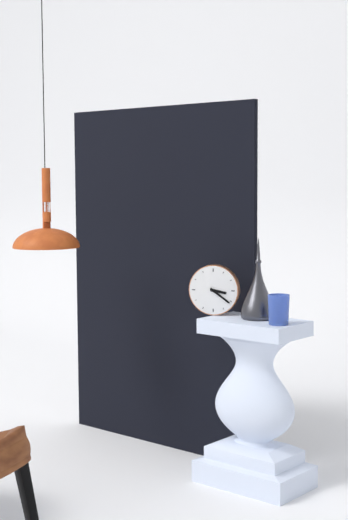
3:21
